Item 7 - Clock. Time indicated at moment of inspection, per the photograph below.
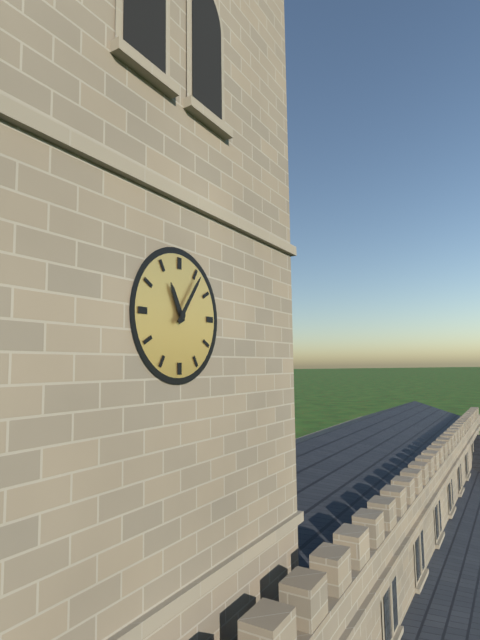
11:06
